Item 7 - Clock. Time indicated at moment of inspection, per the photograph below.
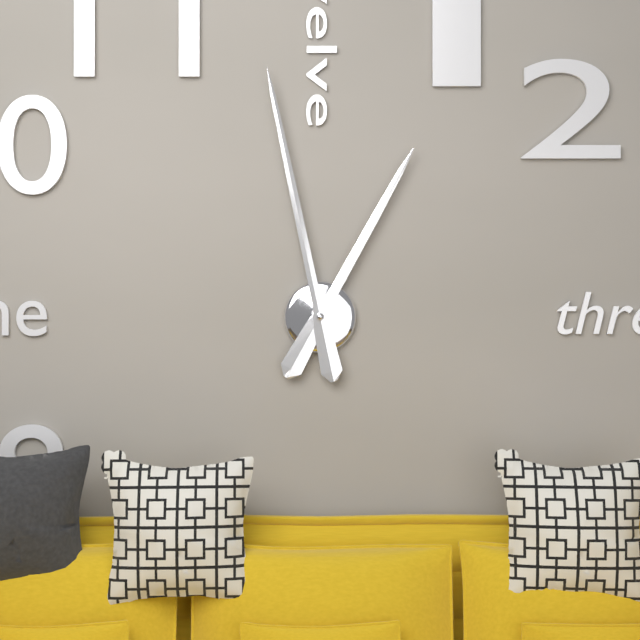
12:58
